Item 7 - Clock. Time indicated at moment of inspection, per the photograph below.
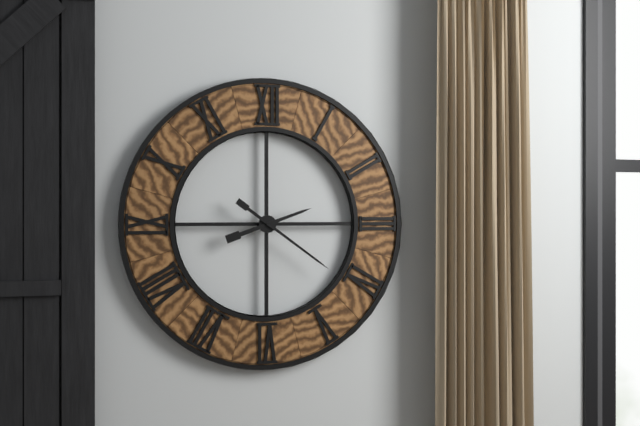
2:21
